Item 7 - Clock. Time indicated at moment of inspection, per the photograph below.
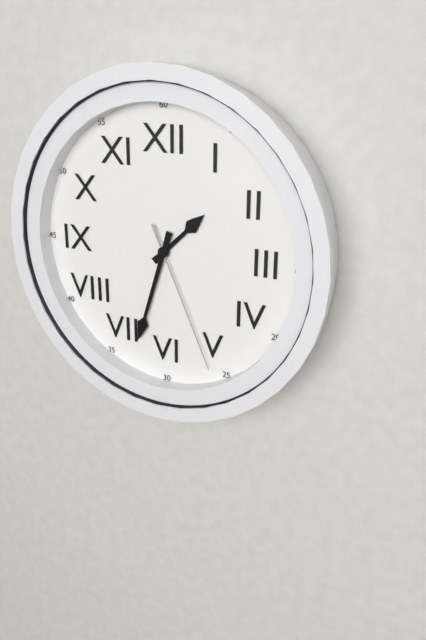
1:33:26
